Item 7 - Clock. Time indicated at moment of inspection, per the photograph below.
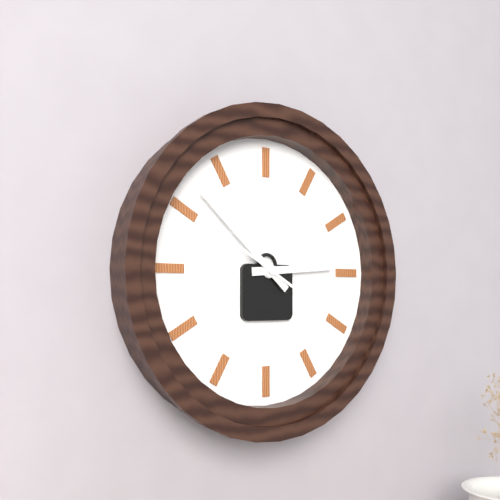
2:52:50
